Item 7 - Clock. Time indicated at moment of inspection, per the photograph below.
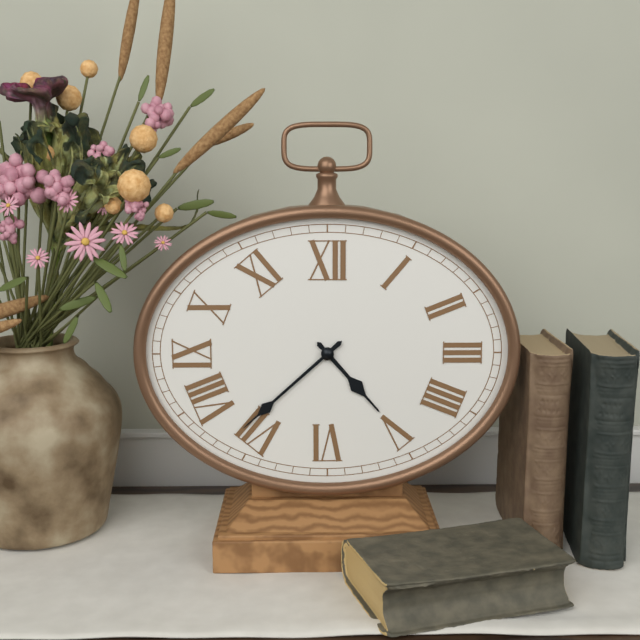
4:38
